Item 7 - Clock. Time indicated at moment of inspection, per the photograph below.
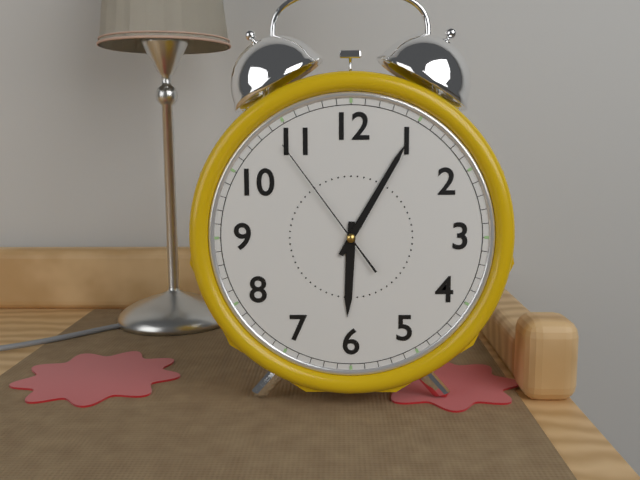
6:05:54
